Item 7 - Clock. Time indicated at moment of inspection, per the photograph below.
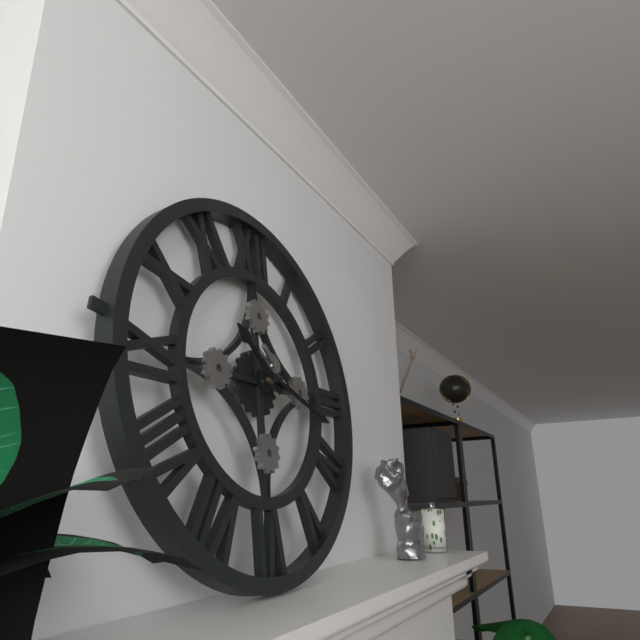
10:18
